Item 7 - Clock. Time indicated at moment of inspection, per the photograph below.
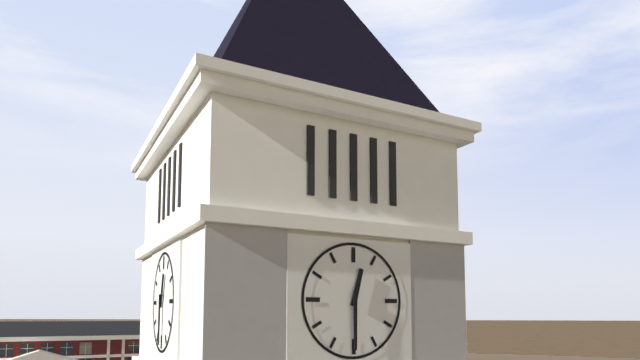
12:30
